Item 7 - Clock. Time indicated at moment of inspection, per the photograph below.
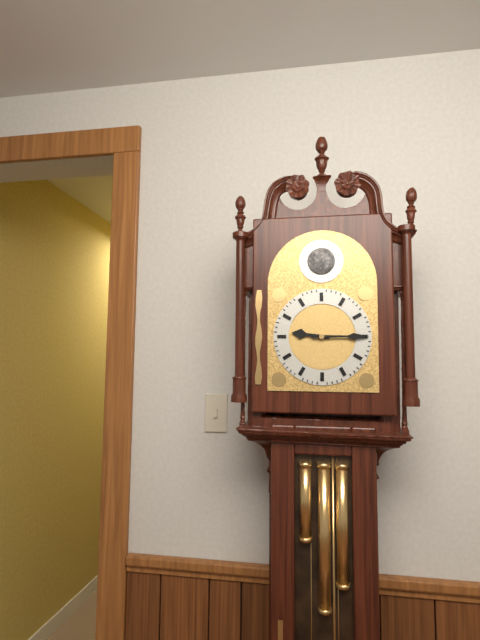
9:15
